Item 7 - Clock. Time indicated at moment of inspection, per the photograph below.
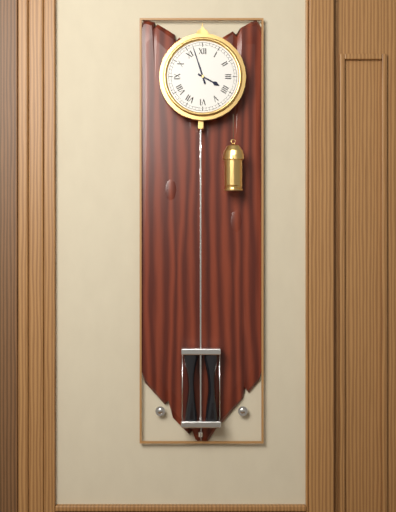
3:57
